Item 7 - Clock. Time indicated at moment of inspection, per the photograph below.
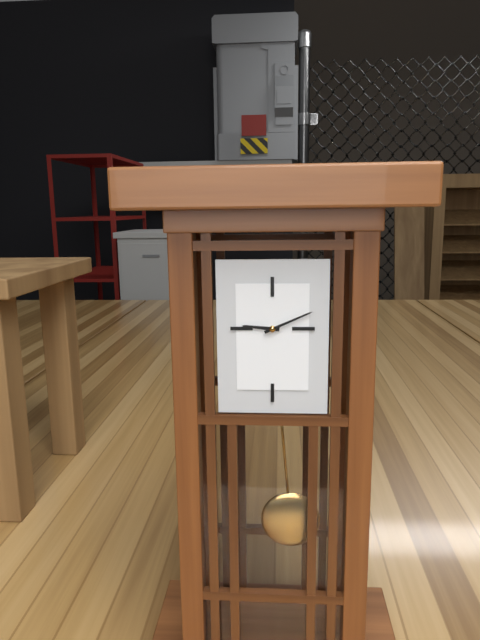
9:11
